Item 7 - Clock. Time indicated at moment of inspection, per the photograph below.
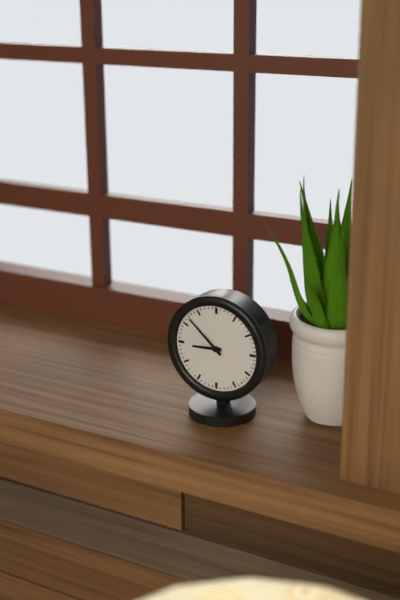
8:52
